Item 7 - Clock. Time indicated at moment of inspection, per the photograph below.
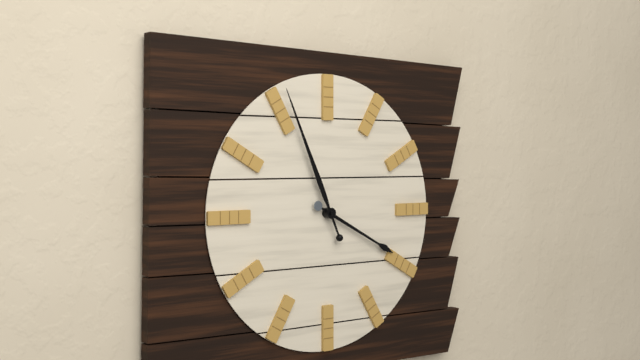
3:56
